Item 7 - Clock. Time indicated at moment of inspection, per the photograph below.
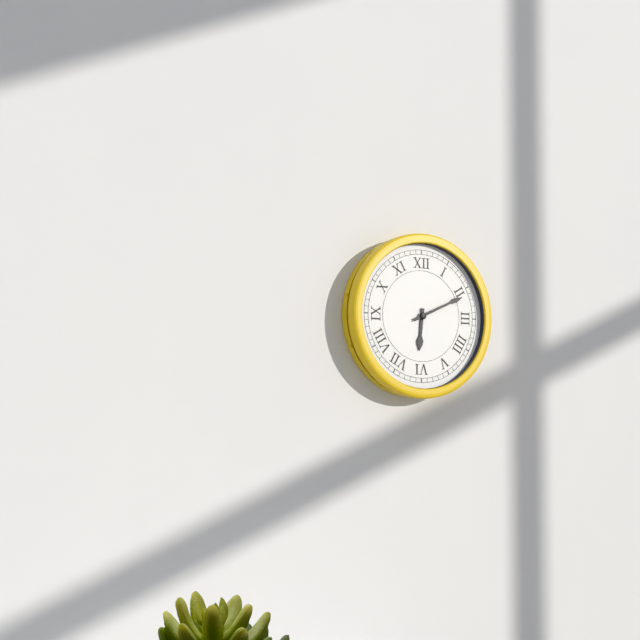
6:11
